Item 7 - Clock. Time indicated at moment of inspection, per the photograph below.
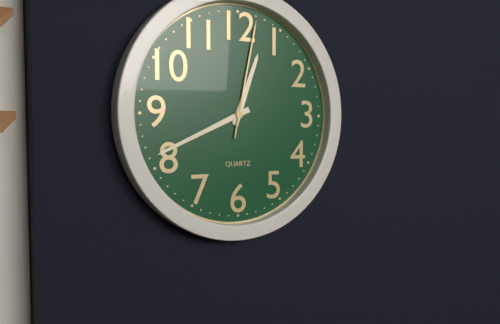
12:41:02
